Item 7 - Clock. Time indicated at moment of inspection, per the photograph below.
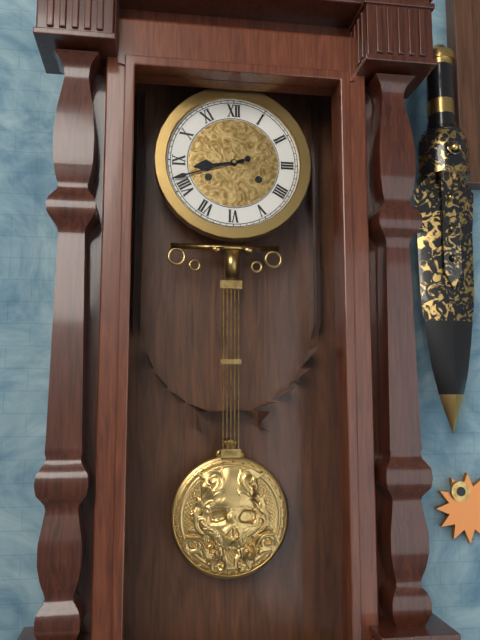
8:42
